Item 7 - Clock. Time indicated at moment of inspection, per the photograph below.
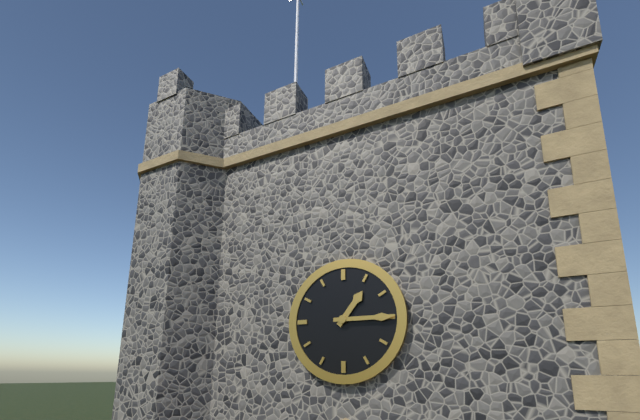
1:15
